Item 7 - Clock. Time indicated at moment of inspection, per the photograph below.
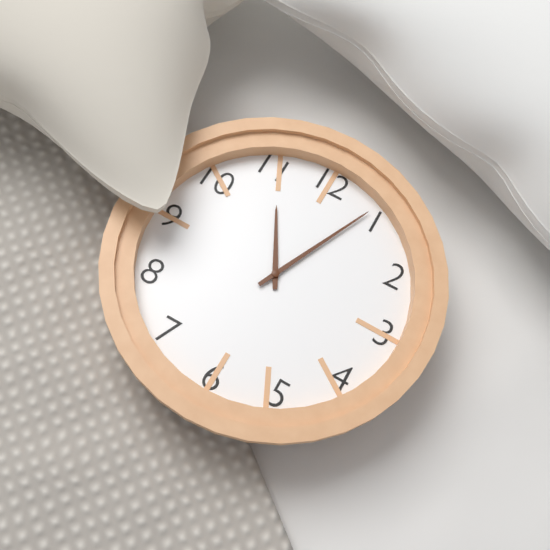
11:04
